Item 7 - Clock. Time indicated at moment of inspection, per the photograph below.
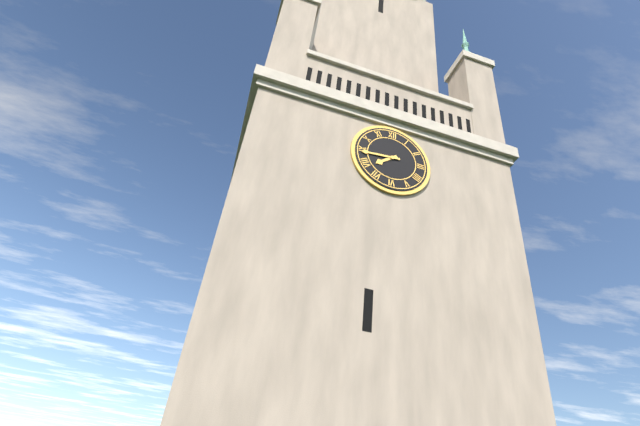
7:44
